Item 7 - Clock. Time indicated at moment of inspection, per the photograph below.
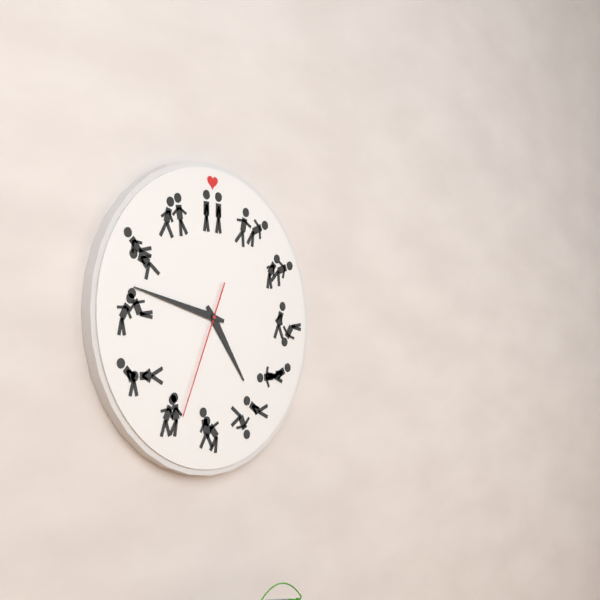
4:47:34
